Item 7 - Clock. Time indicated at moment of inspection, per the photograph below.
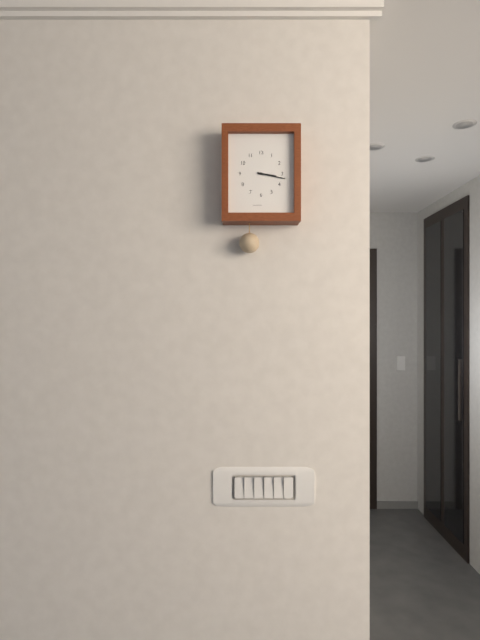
3:17
